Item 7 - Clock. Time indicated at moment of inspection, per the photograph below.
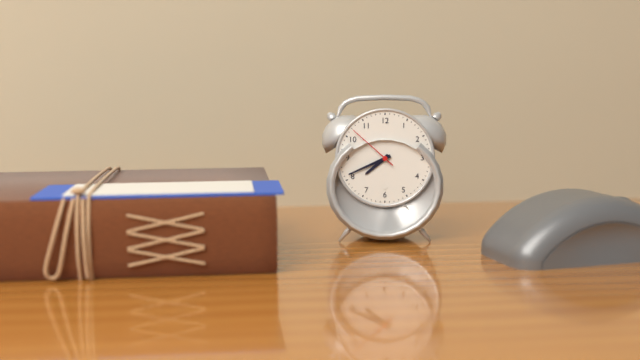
7:41:52
